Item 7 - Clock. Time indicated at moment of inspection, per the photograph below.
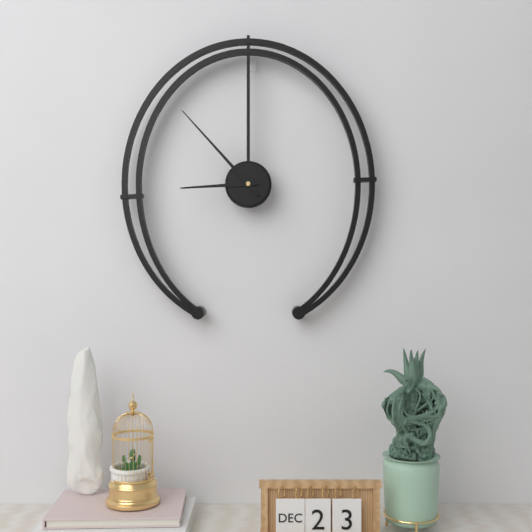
8:53
